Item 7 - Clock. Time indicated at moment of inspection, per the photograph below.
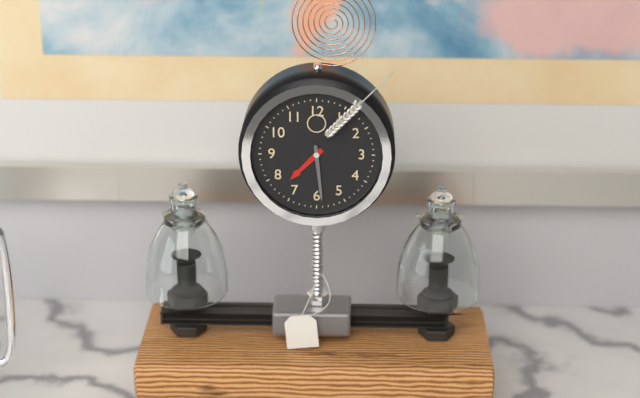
7:29
